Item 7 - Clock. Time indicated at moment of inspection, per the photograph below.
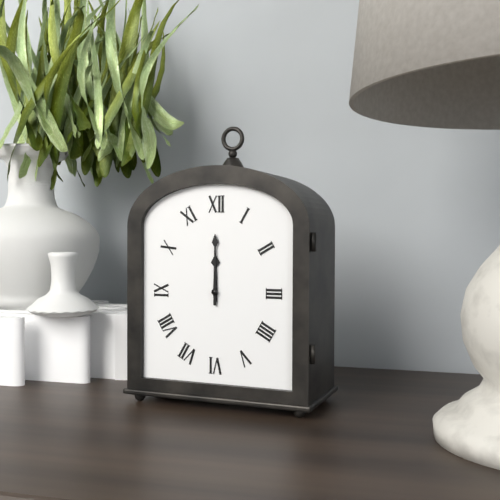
12:00
